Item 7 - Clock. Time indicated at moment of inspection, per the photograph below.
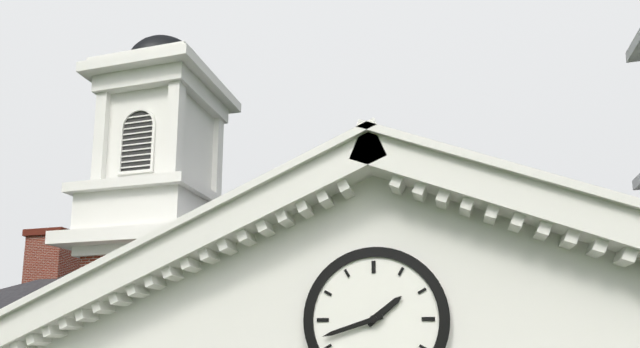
1:42
